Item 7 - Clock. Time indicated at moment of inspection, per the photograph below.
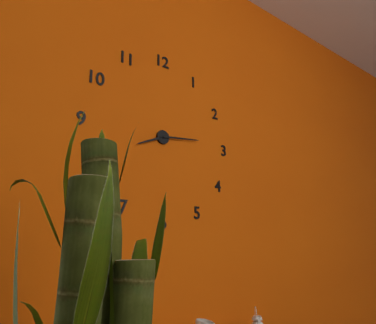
8:14
